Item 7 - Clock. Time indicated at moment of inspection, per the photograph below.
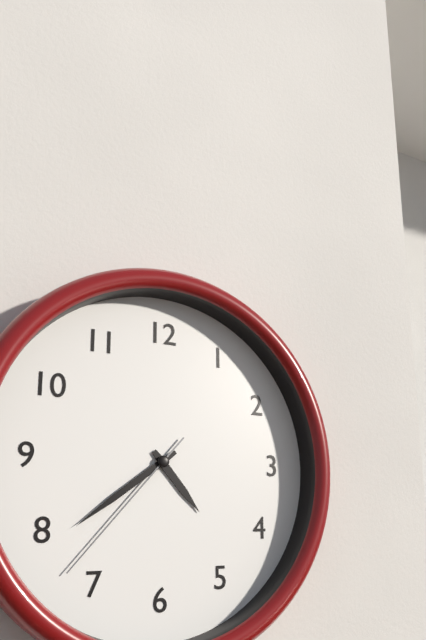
4:39:37
